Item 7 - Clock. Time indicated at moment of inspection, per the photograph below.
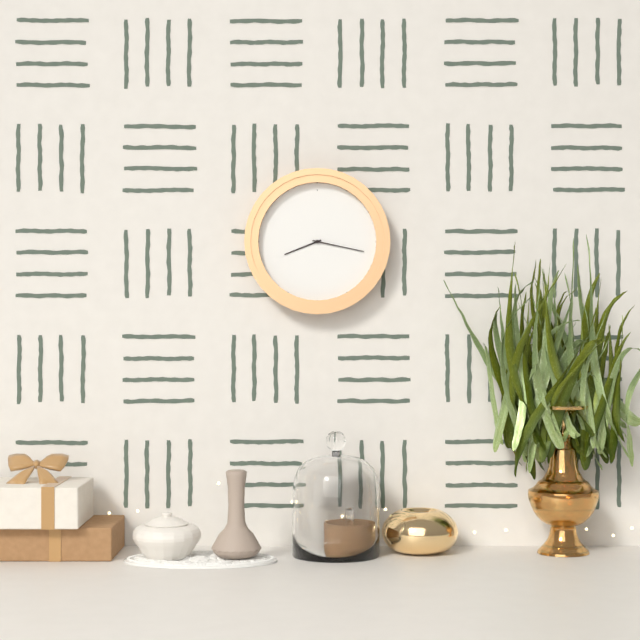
8:17
